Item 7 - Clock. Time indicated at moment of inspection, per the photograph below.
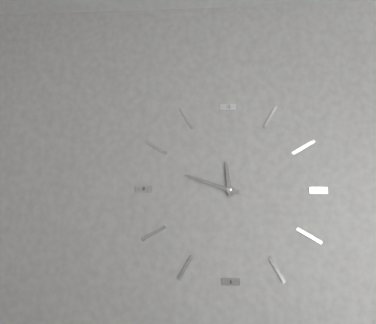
11:48
